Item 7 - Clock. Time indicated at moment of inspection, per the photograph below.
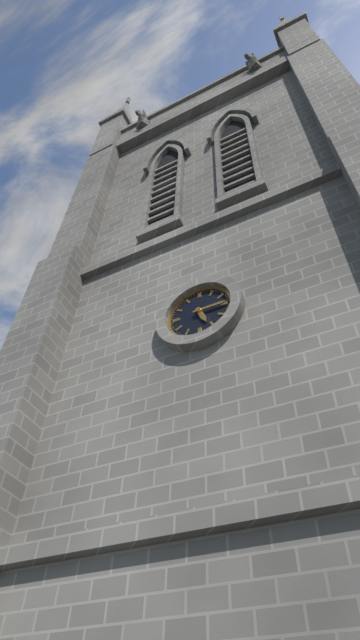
5:15
